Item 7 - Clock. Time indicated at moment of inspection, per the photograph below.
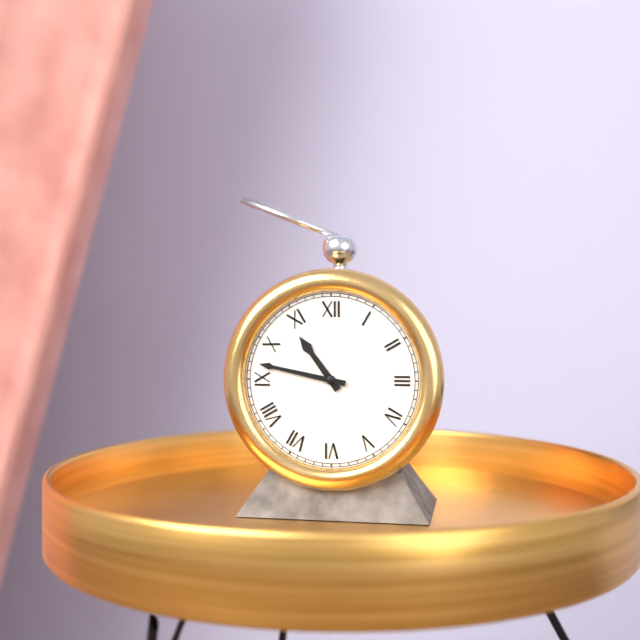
10:47
